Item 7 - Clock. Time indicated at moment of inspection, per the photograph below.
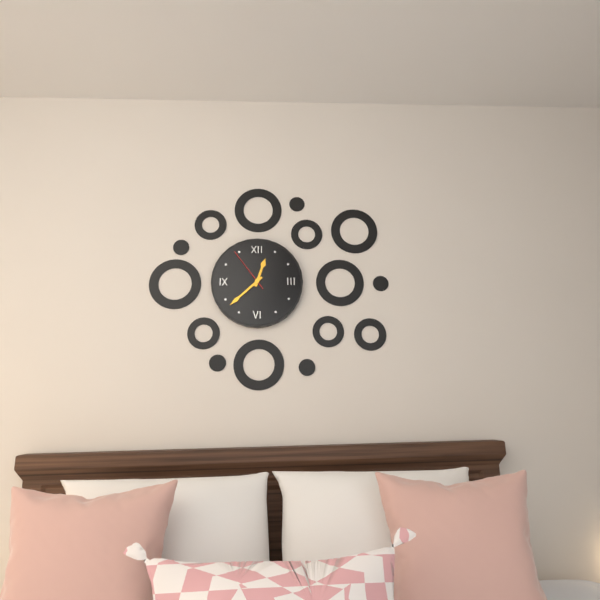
12:38
